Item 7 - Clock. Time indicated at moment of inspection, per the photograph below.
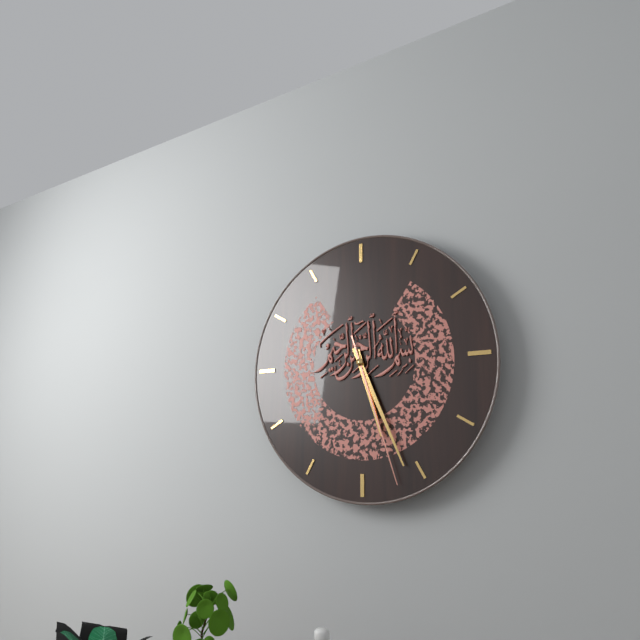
5:26:27
